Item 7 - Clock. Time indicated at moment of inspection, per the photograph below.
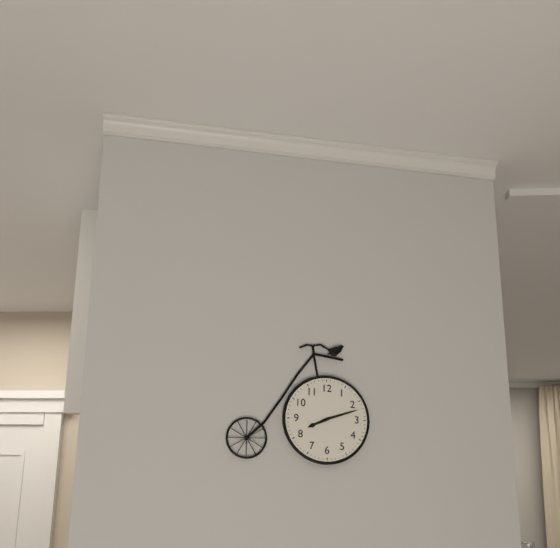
8:12
